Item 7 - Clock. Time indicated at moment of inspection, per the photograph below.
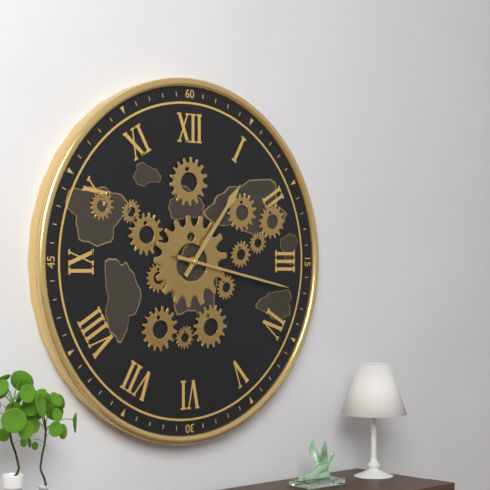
1:17
